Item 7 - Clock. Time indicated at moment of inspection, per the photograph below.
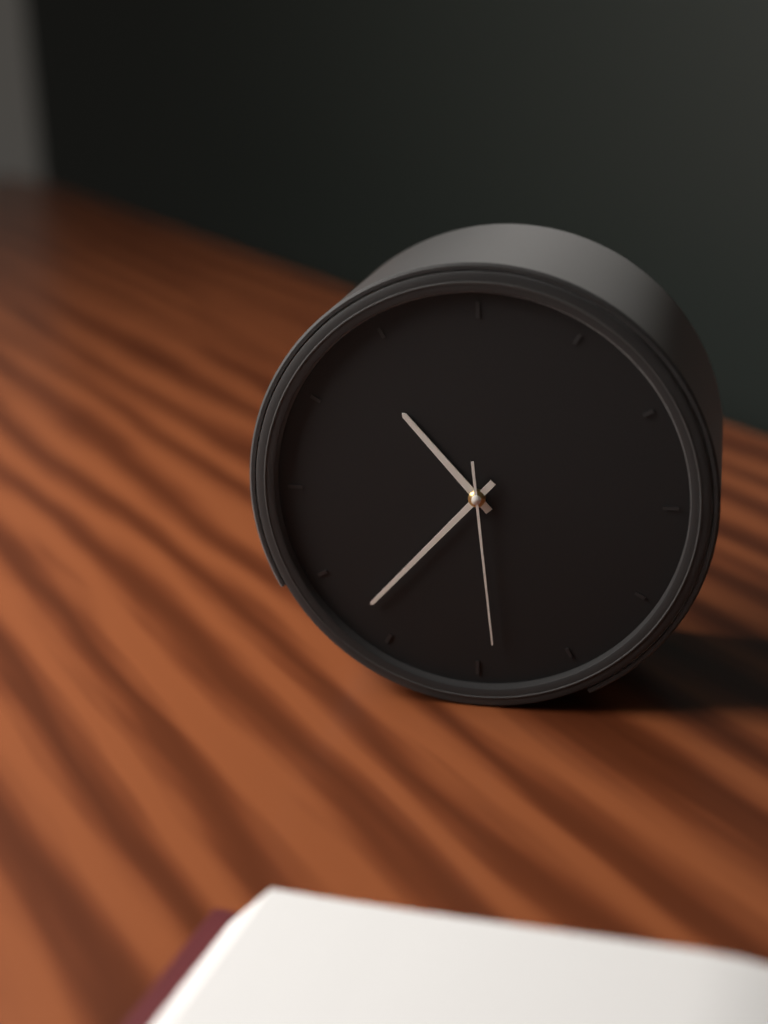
10:37:29
